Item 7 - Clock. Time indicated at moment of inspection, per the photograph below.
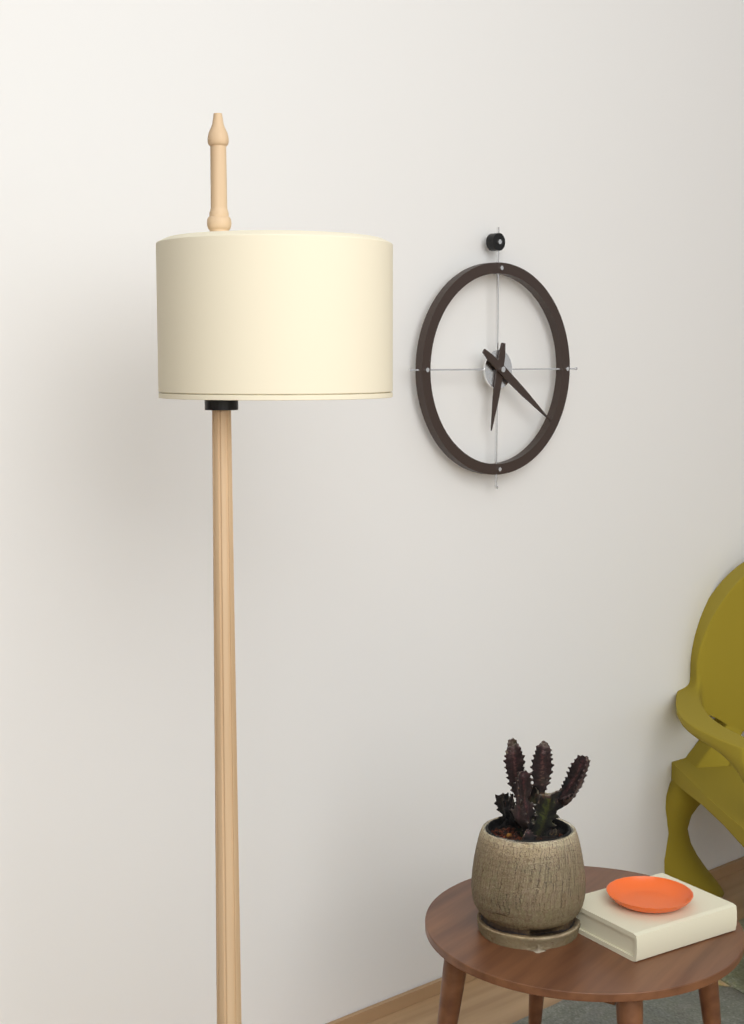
6:21
